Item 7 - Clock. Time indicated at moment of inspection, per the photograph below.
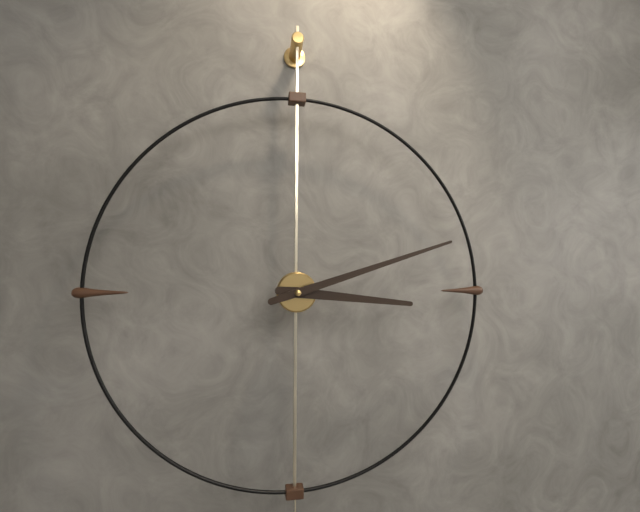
3:12
